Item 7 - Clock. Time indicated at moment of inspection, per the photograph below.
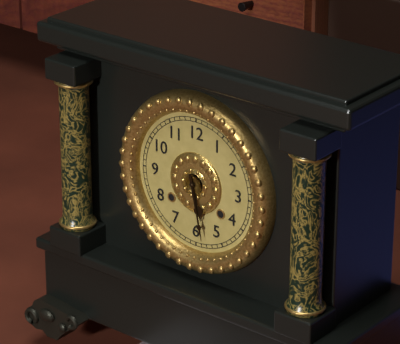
5:28
